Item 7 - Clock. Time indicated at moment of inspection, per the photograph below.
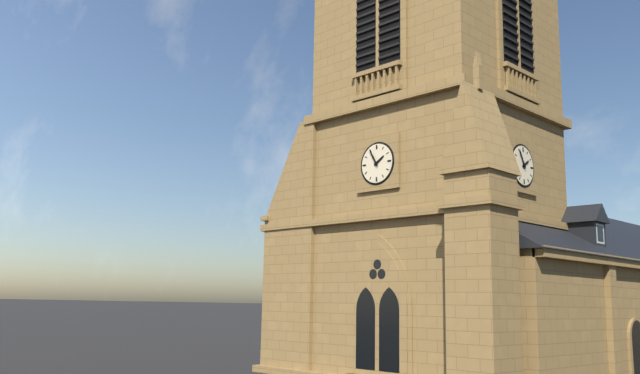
1:55
